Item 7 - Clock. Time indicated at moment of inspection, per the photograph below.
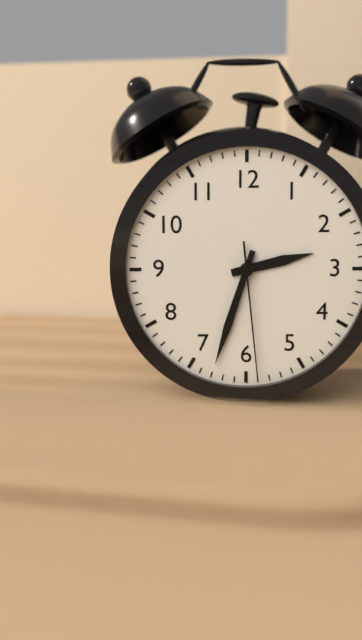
2:33:29
